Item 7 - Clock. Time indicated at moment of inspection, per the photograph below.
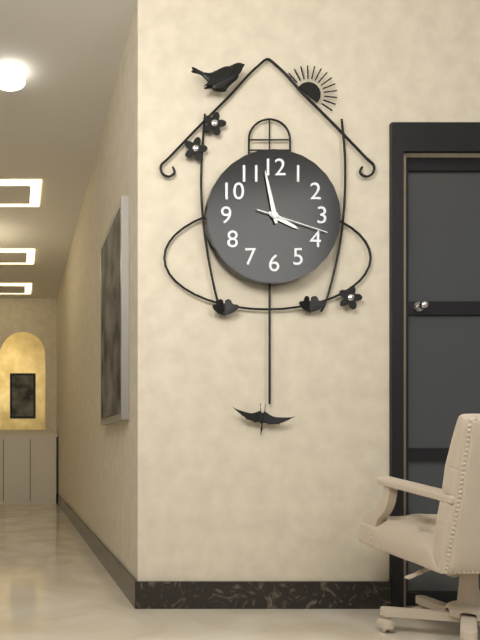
3:58:18
